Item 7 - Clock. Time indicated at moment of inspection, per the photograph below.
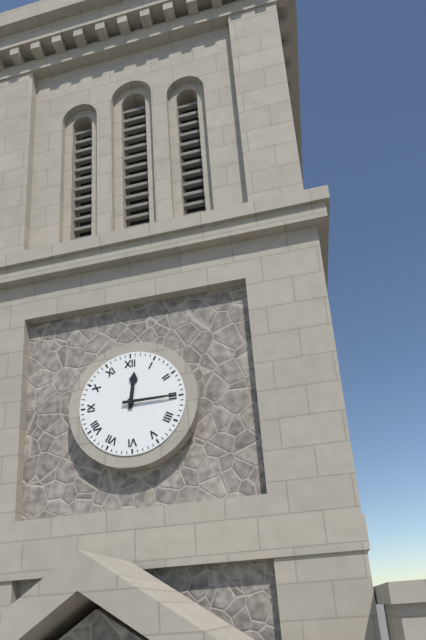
12:15
